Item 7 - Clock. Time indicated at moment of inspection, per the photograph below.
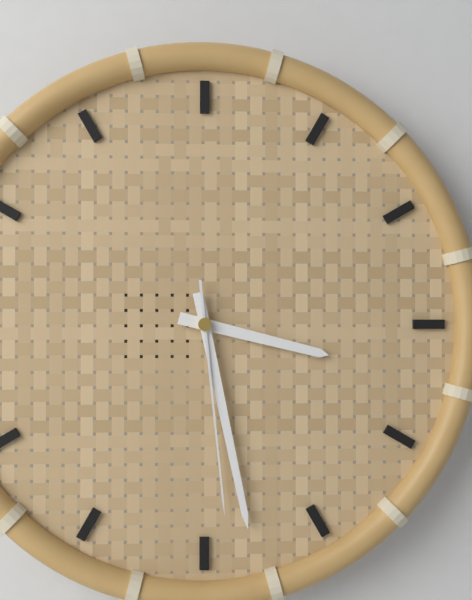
3:28:29
